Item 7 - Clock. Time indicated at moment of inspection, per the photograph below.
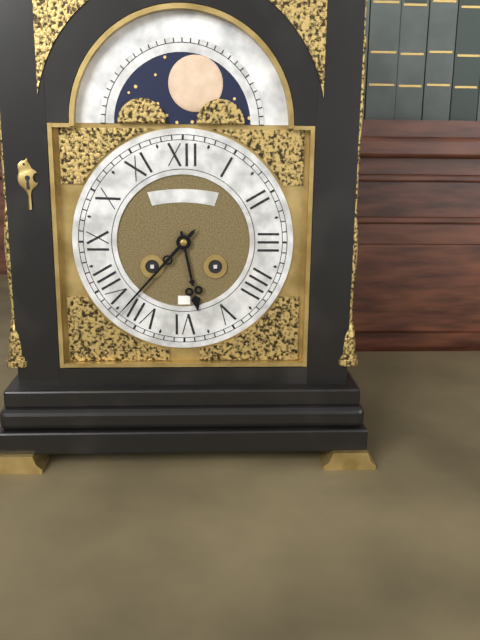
5:37
